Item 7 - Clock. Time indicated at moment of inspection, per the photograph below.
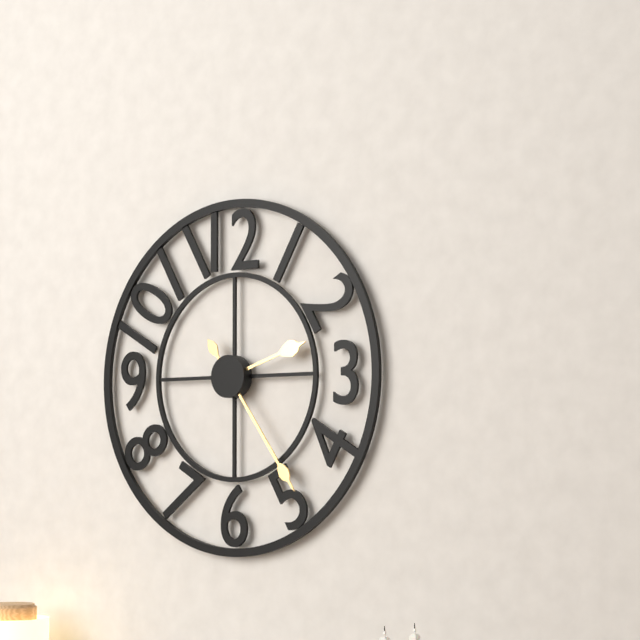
2:24
